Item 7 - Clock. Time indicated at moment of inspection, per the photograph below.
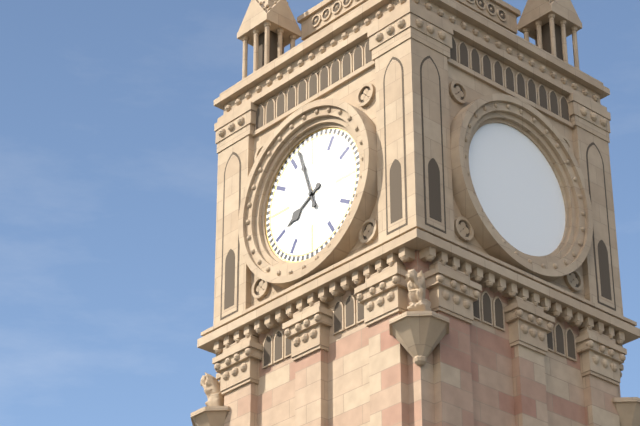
7:57
